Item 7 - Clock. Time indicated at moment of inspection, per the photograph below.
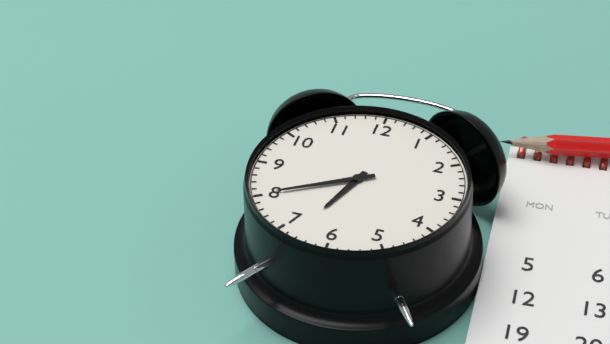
6:40
